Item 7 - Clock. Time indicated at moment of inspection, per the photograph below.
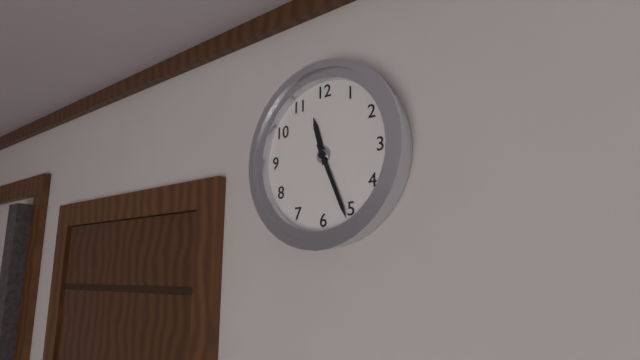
11:26
